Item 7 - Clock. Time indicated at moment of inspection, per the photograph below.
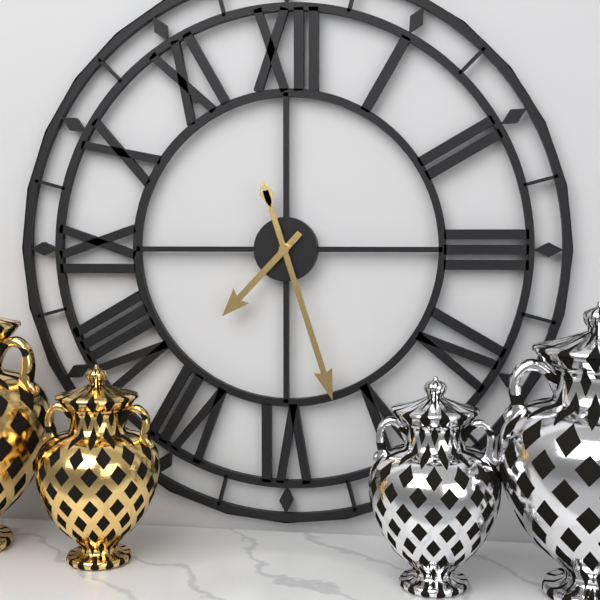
7:27
